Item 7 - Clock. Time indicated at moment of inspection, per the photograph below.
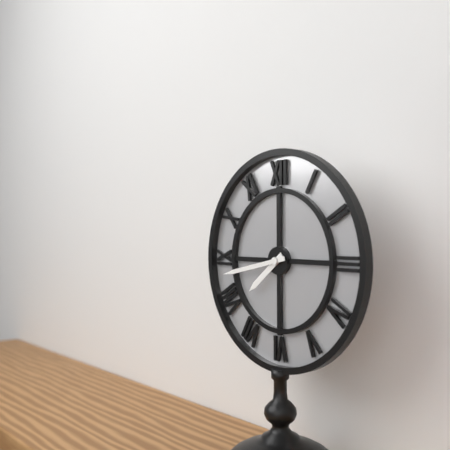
7:43
